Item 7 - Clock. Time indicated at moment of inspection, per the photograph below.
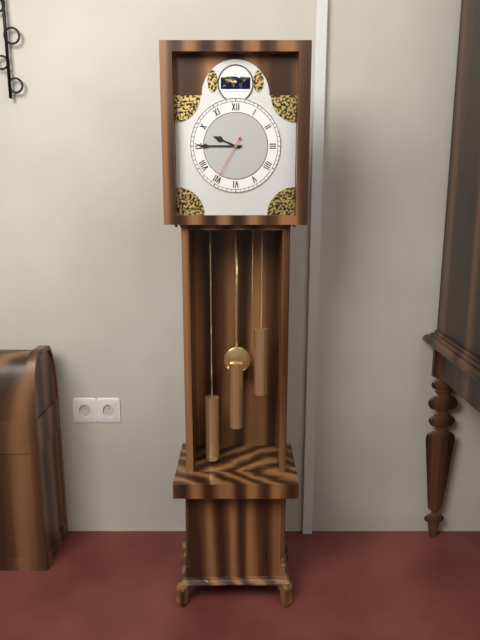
9:45:35
